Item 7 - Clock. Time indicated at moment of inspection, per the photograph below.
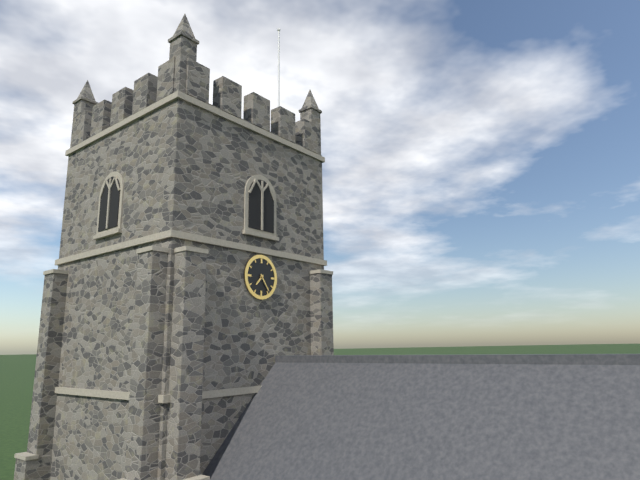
7:24
